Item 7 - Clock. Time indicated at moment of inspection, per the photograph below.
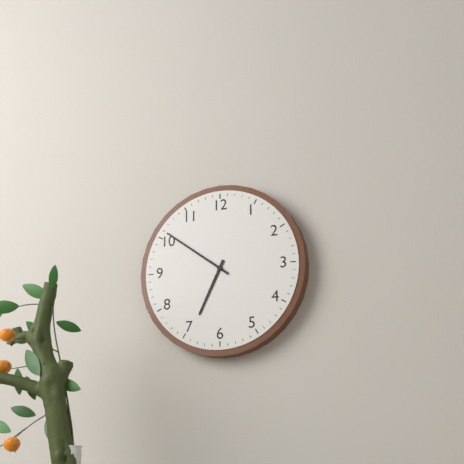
6:51
